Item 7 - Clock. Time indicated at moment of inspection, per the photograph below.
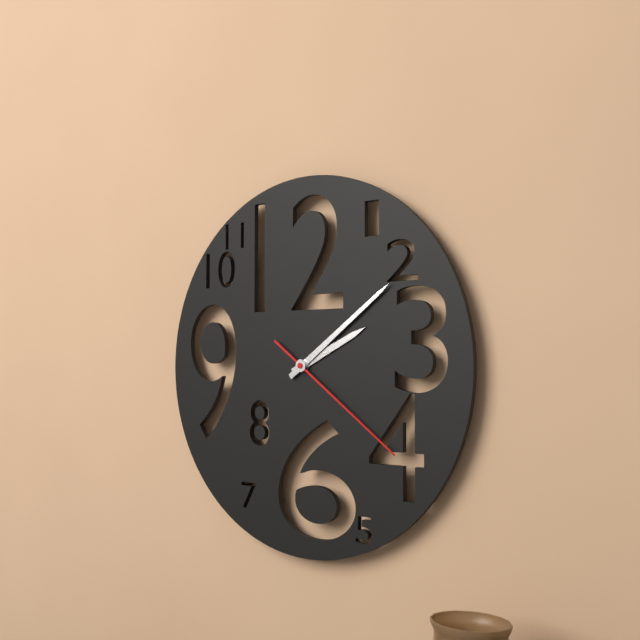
2:09:21
